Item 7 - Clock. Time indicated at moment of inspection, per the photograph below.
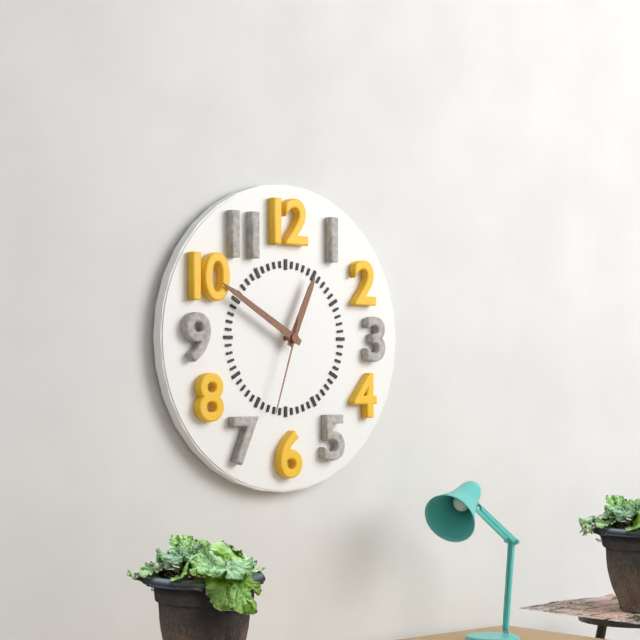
12:50:33
